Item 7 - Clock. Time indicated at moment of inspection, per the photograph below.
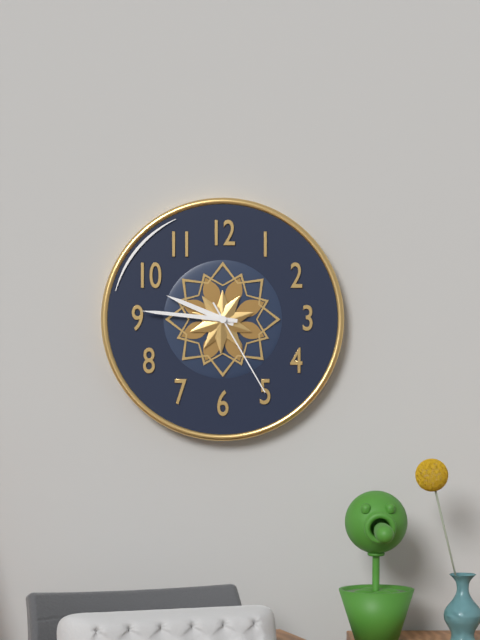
9:46:25
